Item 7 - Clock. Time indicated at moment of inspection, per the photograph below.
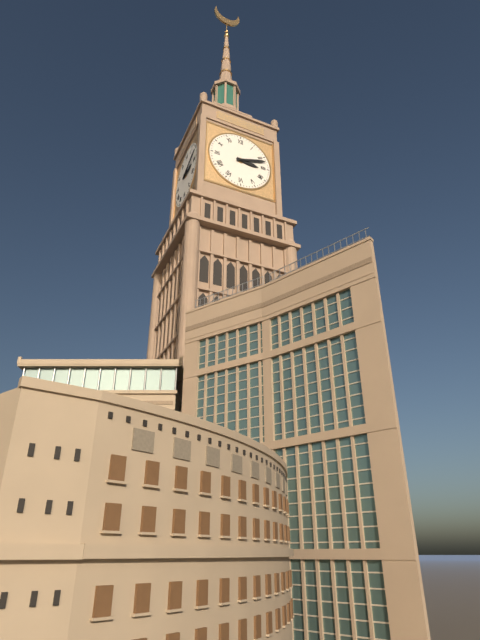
3:12
